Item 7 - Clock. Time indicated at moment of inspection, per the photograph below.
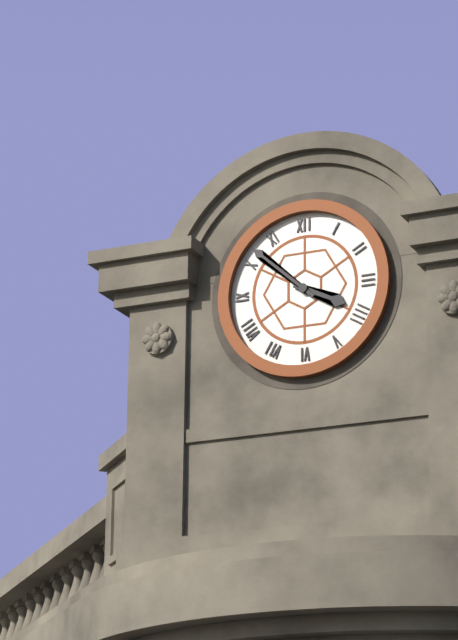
3:52
